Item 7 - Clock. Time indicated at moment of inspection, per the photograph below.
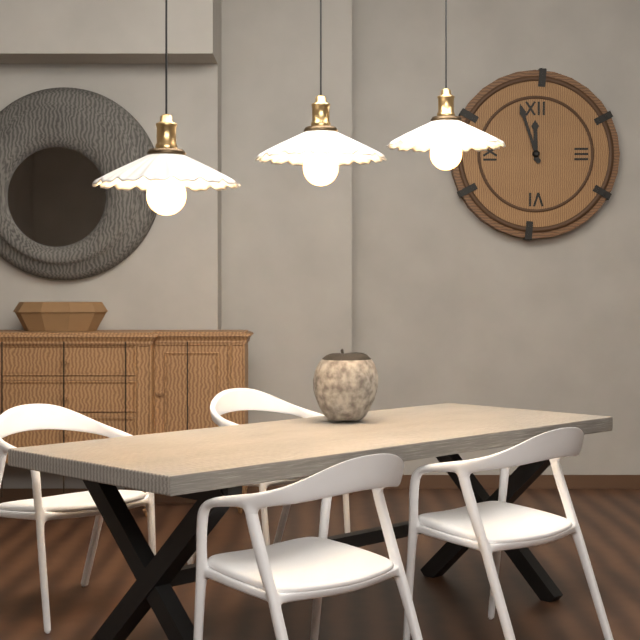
11:57
